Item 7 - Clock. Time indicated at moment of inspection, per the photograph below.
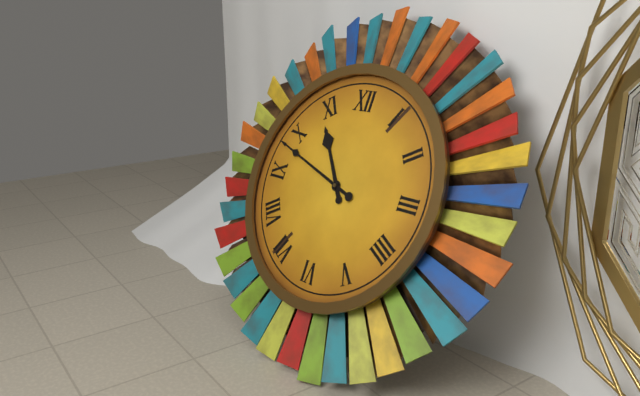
10:48
